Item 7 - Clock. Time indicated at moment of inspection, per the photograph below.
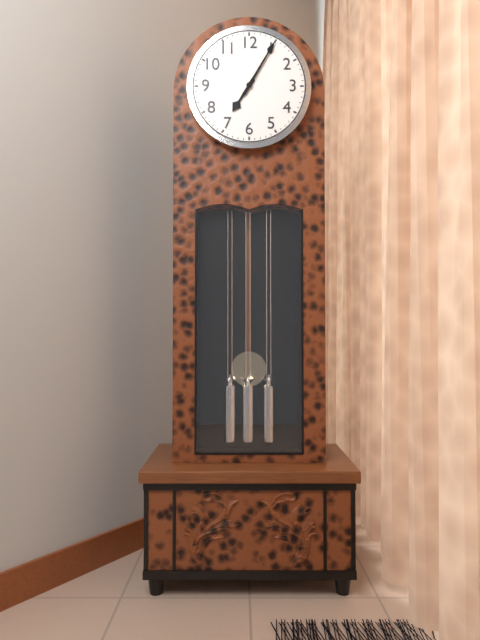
7:05
